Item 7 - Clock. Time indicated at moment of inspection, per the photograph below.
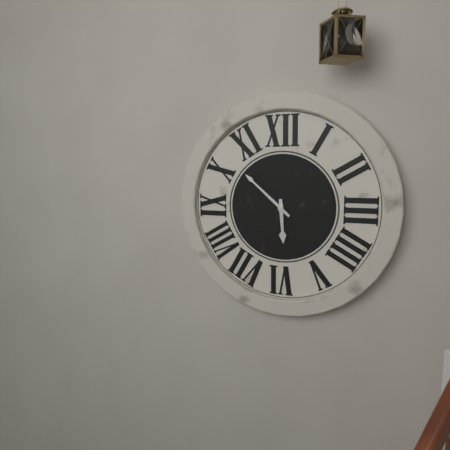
5:52
